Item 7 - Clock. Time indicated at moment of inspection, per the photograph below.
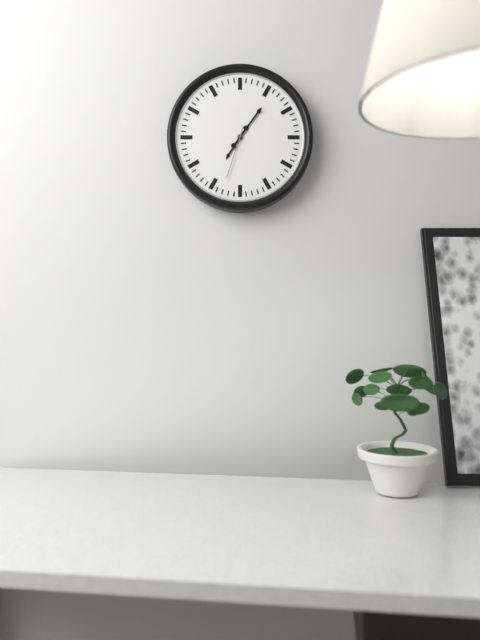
7:06
